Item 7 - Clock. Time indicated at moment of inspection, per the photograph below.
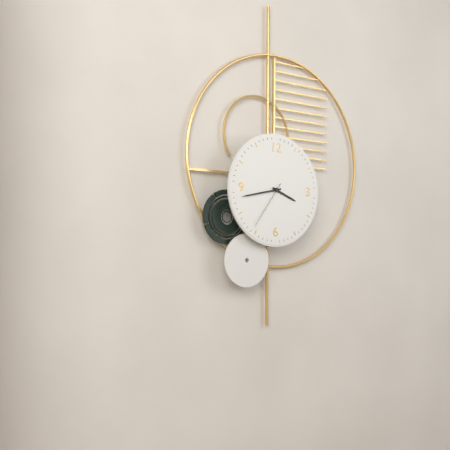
3:43:36
